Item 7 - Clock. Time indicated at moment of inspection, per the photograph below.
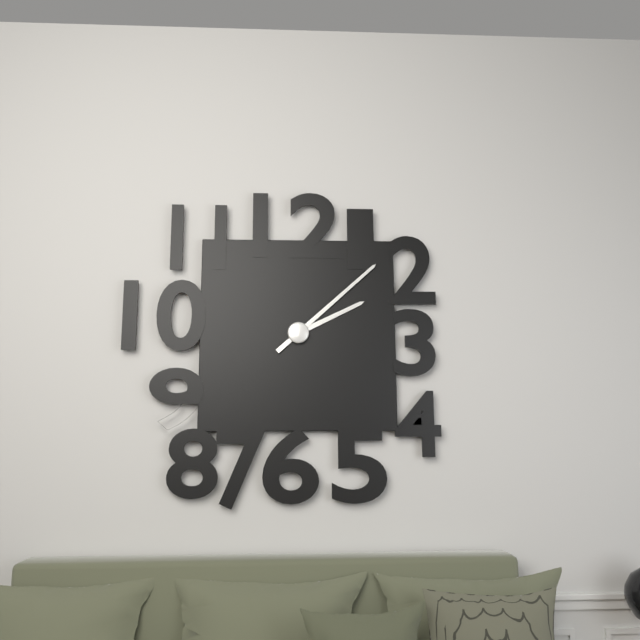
2:08
